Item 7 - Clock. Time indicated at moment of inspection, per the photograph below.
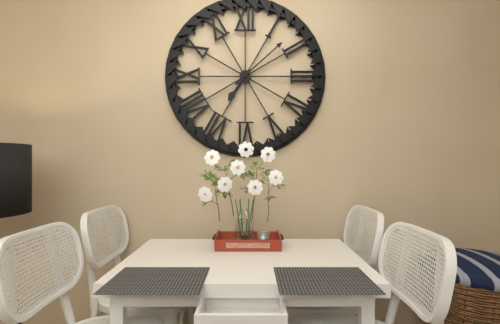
7:08
